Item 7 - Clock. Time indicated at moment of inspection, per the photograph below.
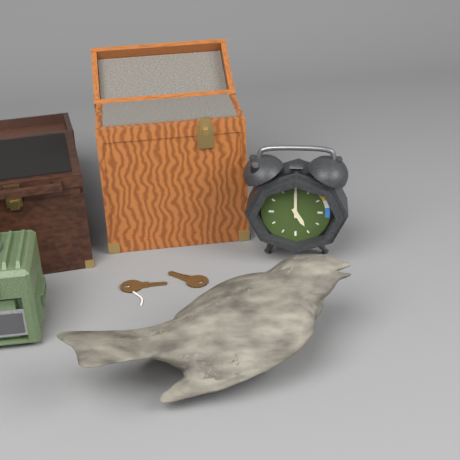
5:00
